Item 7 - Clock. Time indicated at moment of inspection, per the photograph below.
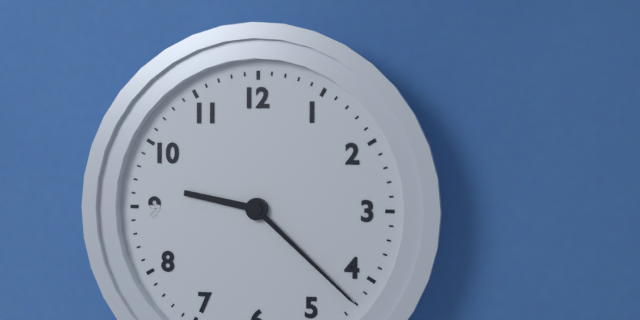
9:22
